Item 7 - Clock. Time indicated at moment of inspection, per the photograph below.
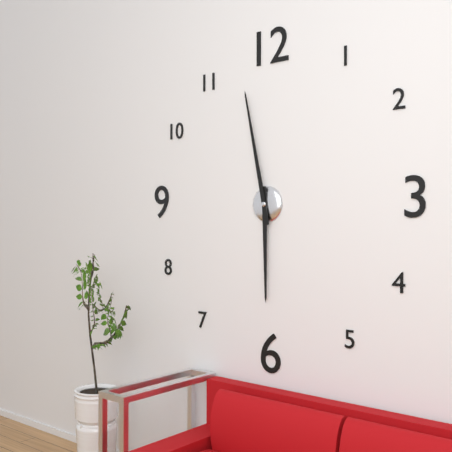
5:58
